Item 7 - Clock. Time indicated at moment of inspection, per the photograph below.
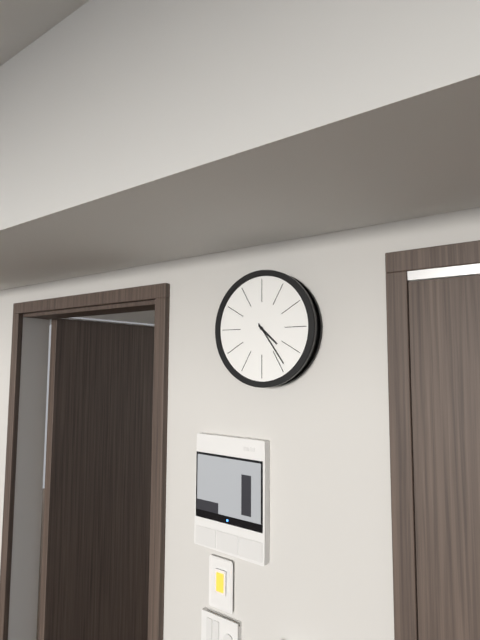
4:24
